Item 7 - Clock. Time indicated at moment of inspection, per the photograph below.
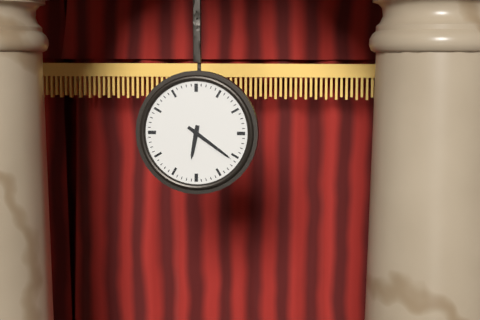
6:21
